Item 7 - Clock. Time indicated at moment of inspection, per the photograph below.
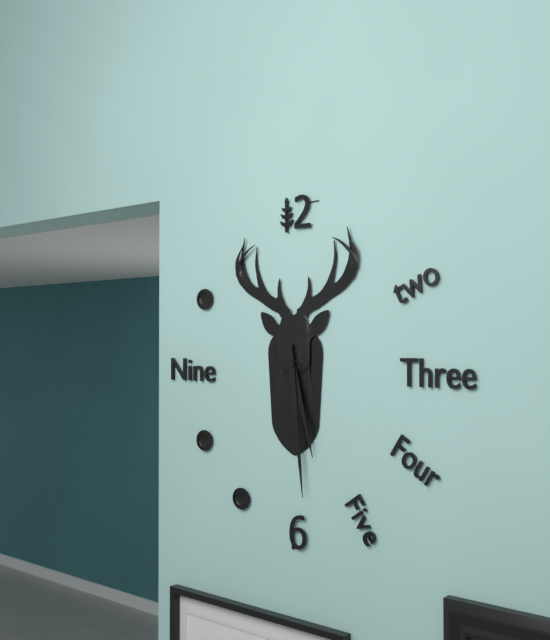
5:29
